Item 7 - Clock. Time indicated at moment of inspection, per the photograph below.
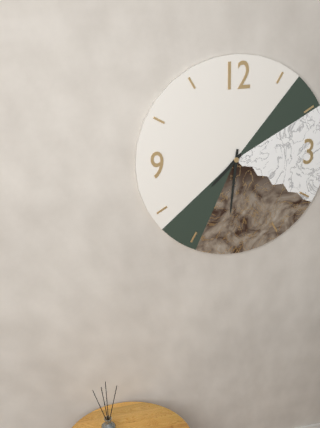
7:31
